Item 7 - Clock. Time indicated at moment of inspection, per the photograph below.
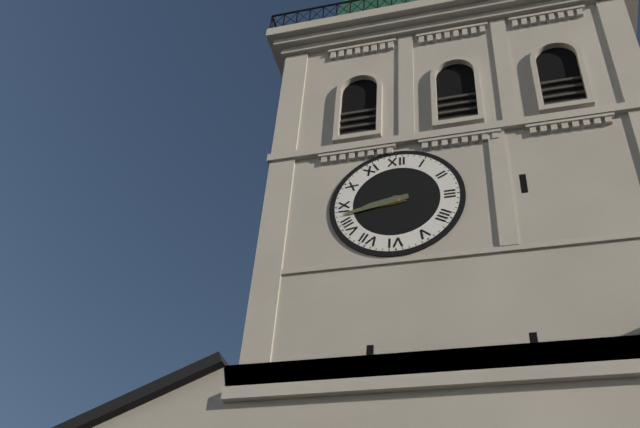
8:43
